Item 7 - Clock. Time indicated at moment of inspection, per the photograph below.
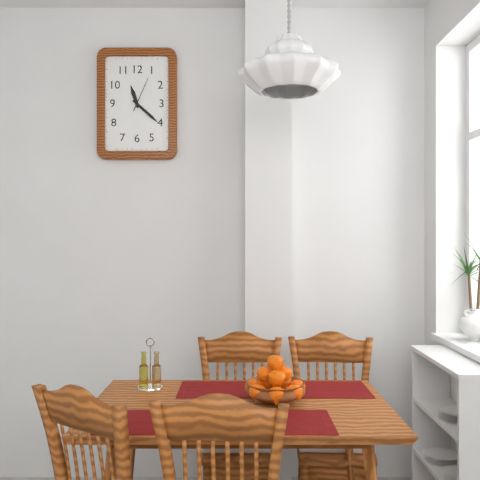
11:22
